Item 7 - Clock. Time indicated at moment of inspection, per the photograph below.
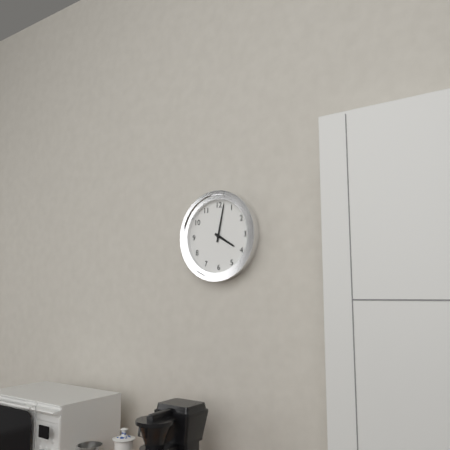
4:02
